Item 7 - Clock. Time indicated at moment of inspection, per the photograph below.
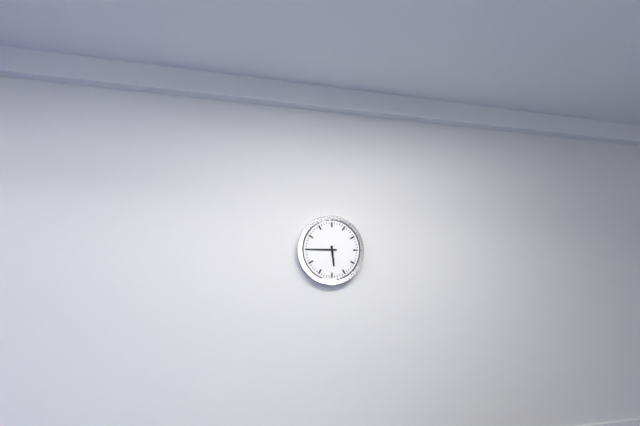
5:45
